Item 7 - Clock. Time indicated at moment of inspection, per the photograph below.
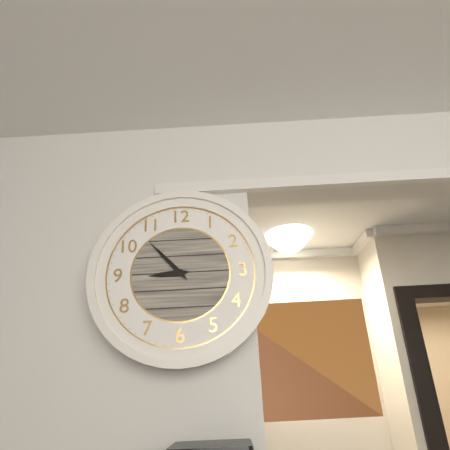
8:53
